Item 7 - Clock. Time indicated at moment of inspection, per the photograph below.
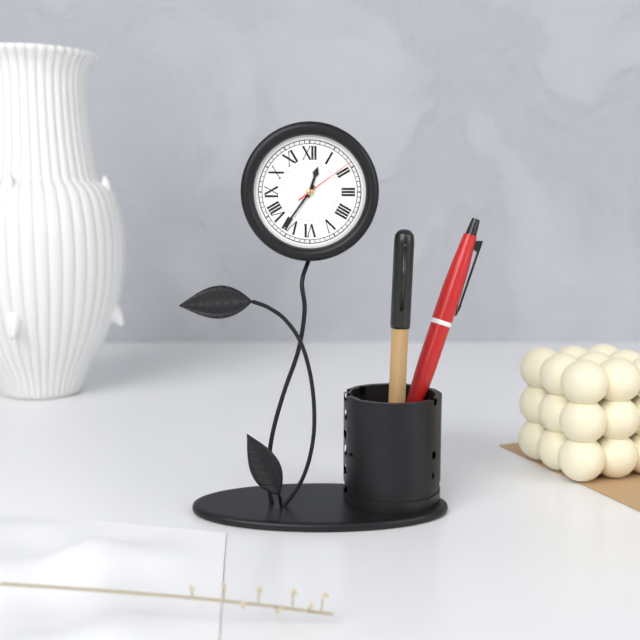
12:36:09
